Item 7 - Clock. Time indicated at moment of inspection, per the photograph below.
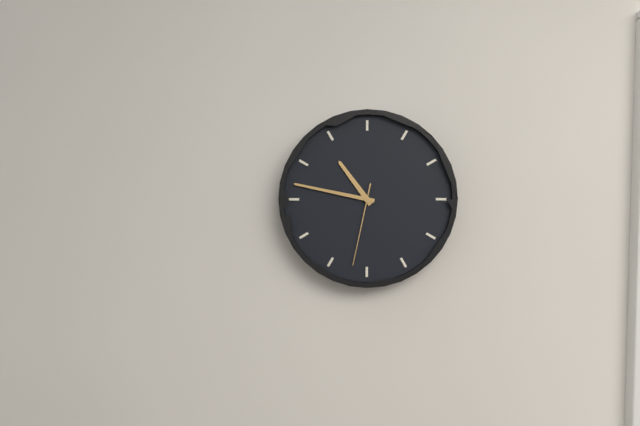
10:47:32
